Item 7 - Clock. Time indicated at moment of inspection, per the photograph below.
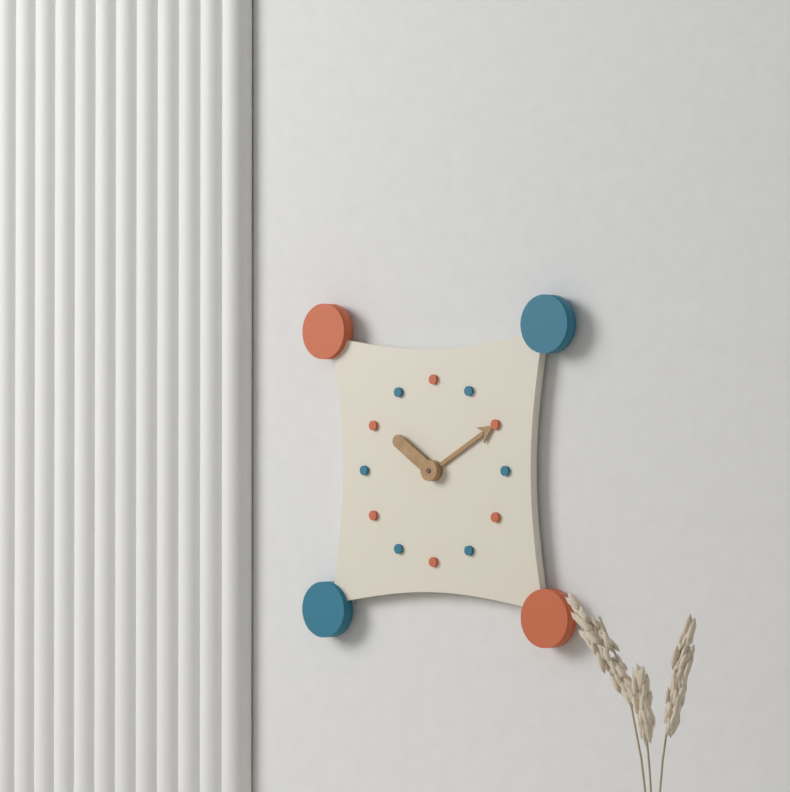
10:10
